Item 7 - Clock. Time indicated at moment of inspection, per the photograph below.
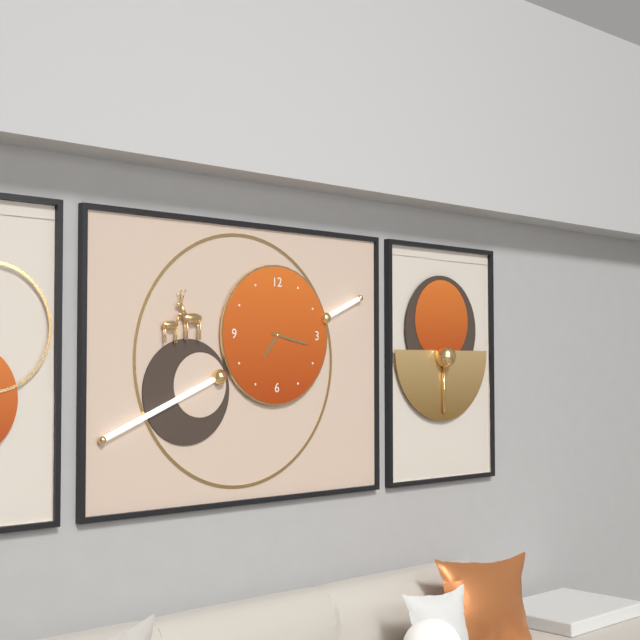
7:17
